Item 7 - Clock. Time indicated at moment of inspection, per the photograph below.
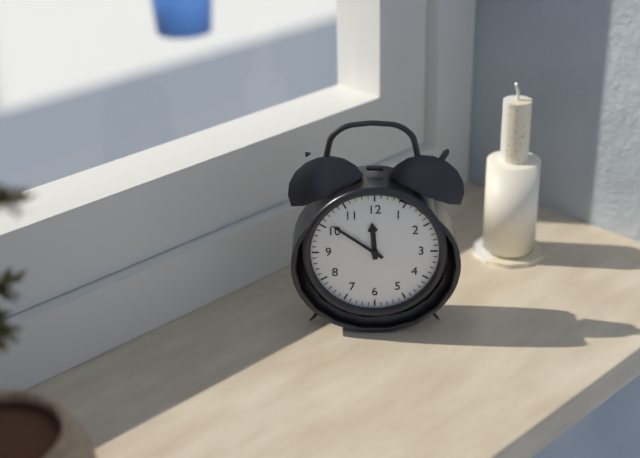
11:51
